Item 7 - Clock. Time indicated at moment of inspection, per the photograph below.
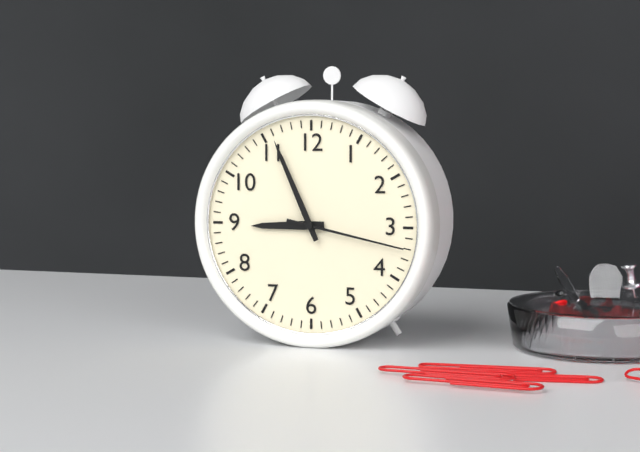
8:56:17
